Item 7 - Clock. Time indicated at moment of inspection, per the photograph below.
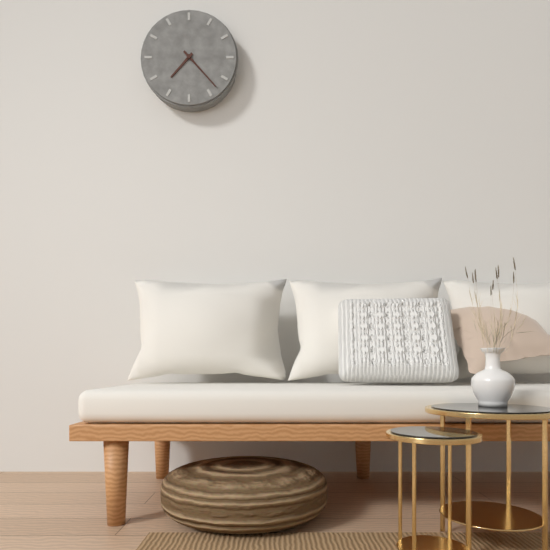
7:23
